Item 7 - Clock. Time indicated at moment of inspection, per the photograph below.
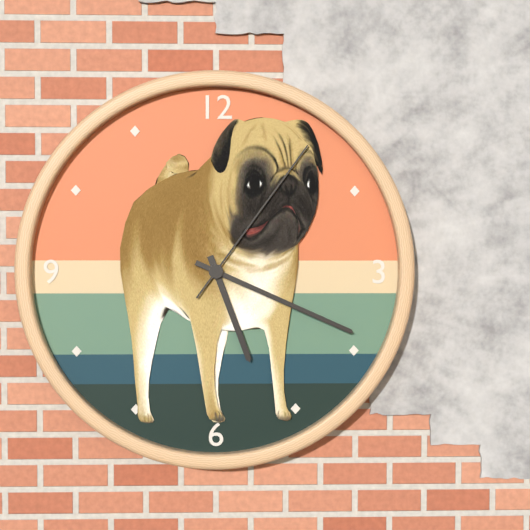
5:19:06
